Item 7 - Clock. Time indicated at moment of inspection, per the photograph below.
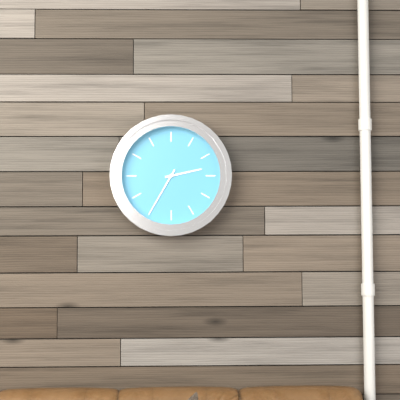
2:35
